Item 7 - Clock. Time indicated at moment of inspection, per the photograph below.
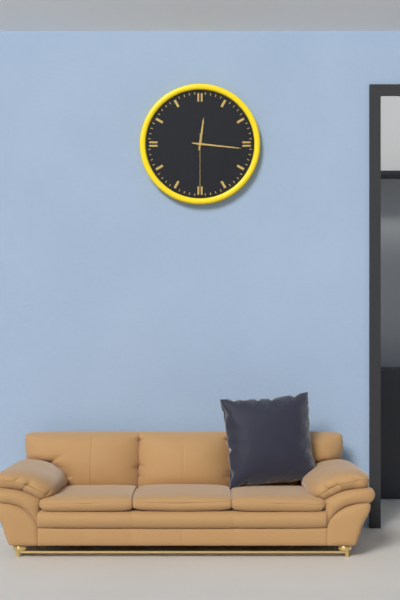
12:16:30
